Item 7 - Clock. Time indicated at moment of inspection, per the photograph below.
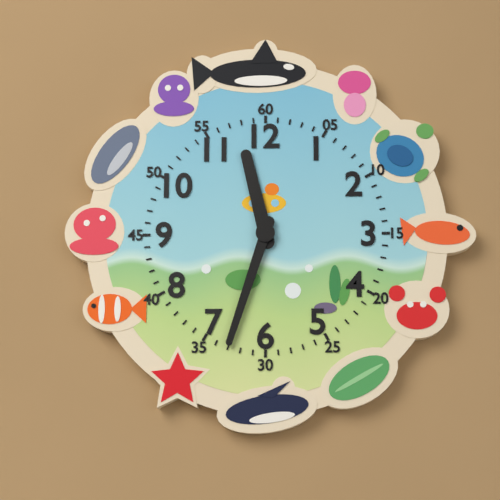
11:33
